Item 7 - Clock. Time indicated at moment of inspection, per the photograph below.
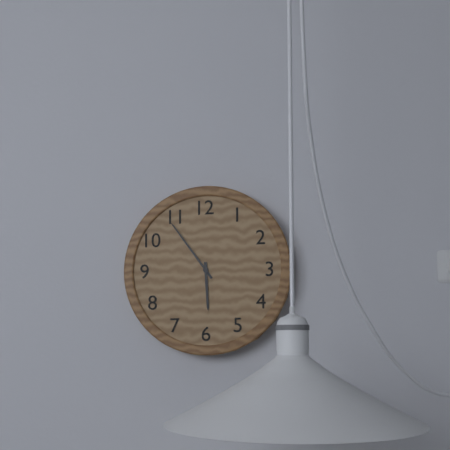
5:54
